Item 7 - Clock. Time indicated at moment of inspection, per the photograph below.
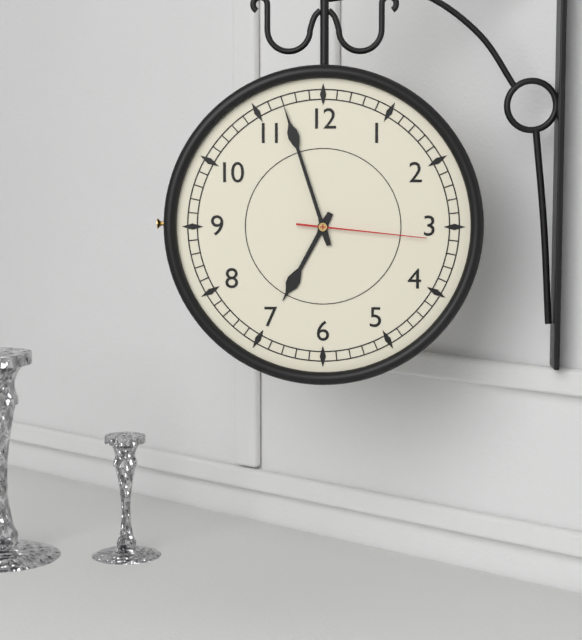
6:57:16
